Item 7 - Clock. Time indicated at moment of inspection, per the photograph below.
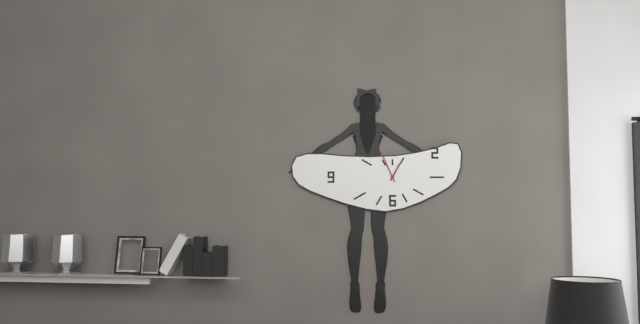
12:56
